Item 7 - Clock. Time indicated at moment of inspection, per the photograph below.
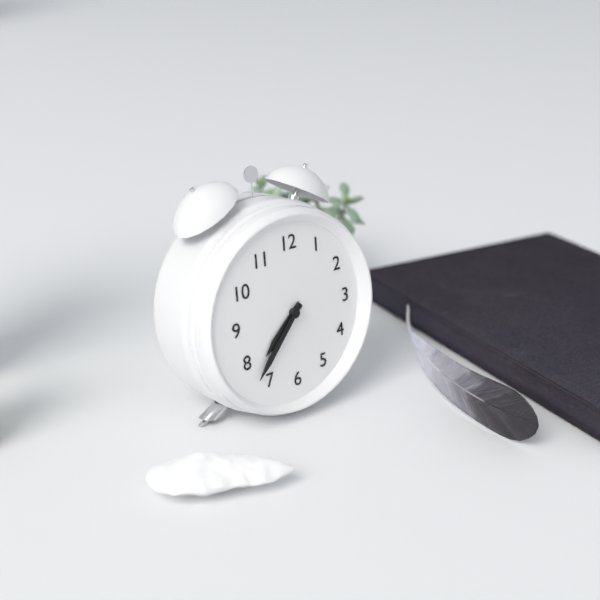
7:37
